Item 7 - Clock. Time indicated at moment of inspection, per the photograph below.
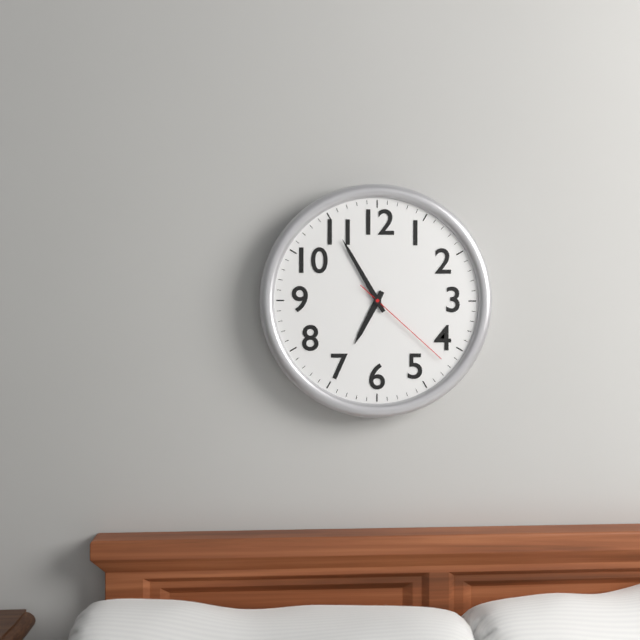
6:55:22
